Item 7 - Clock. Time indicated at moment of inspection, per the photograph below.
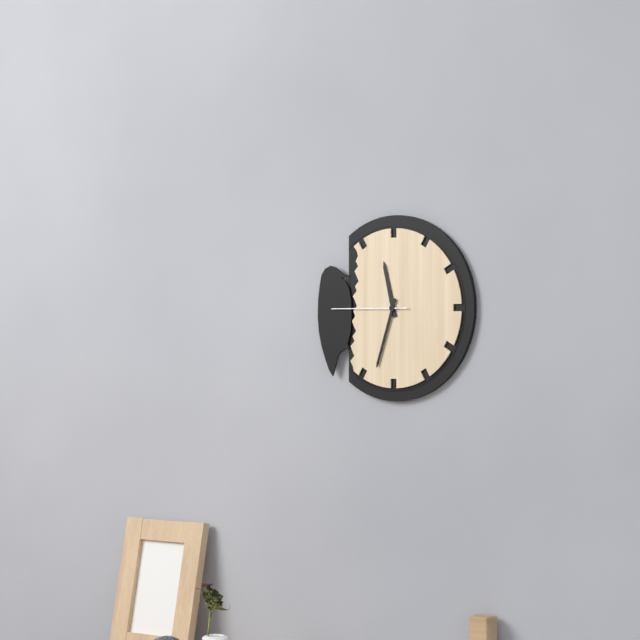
11:33:45
